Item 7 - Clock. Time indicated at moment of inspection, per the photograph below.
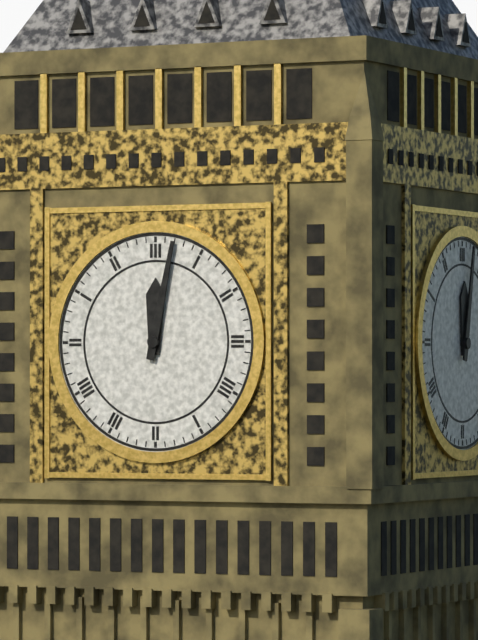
12:02
